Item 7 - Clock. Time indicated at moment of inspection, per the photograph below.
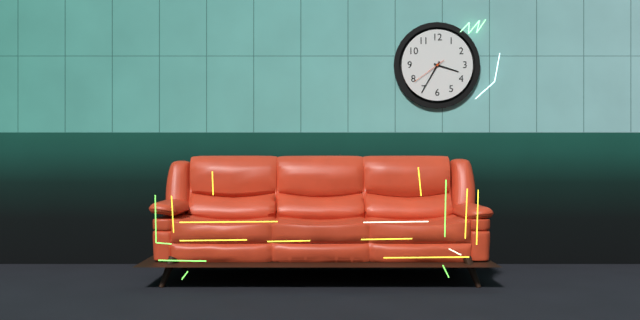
3:35
